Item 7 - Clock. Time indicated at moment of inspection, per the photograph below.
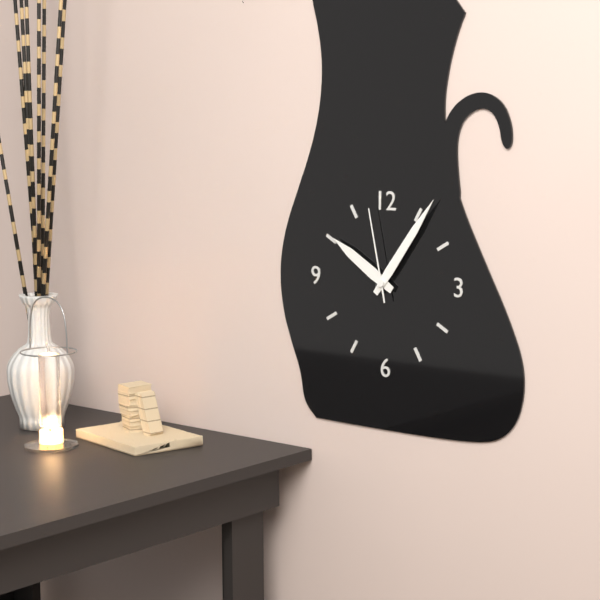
10:06:58
